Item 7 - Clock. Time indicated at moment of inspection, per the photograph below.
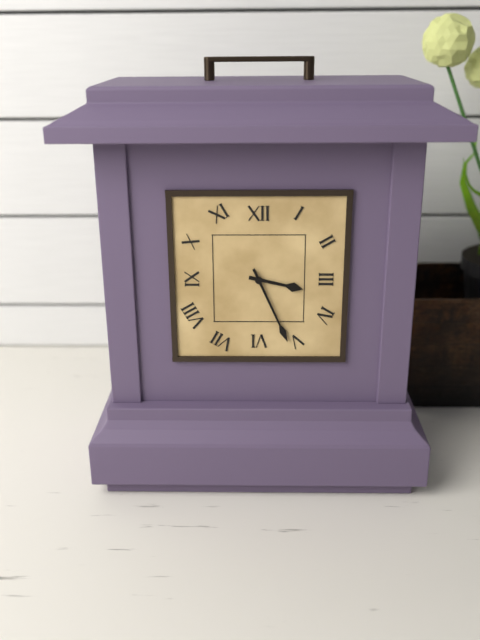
3:26
